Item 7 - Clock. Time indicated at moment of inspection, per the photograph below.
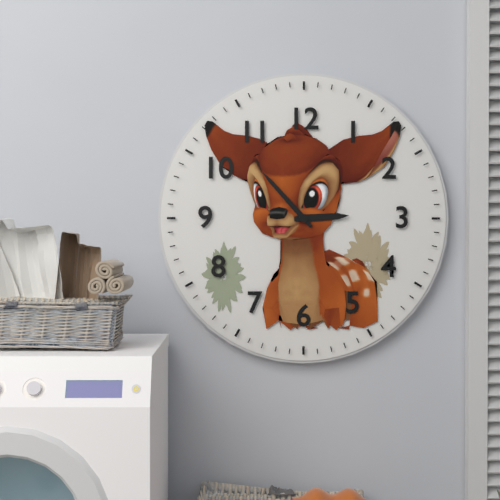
2:53
